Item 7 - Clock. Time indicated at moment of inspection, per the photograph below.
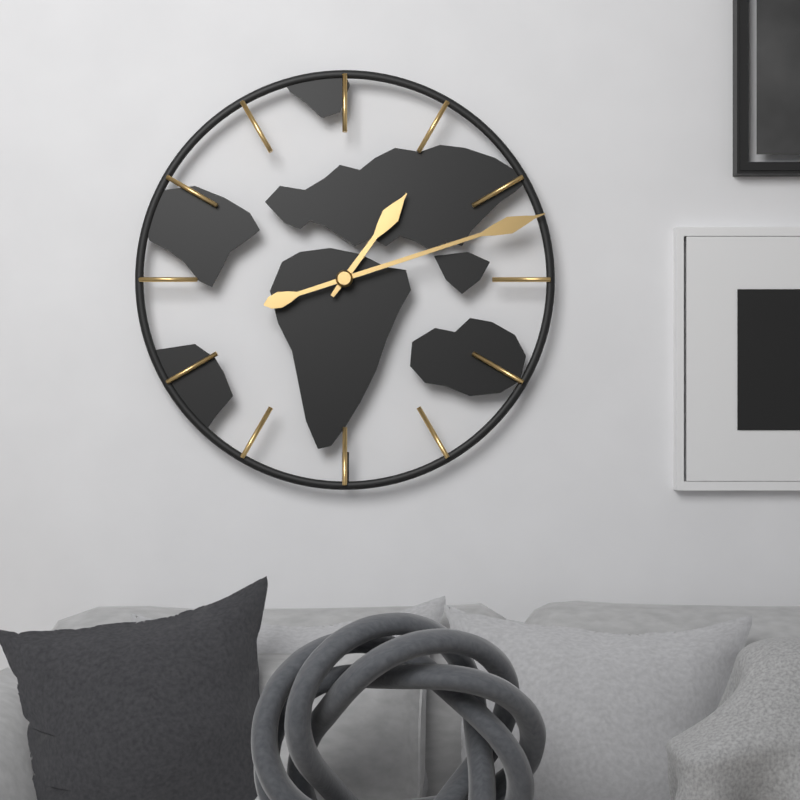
1:12
